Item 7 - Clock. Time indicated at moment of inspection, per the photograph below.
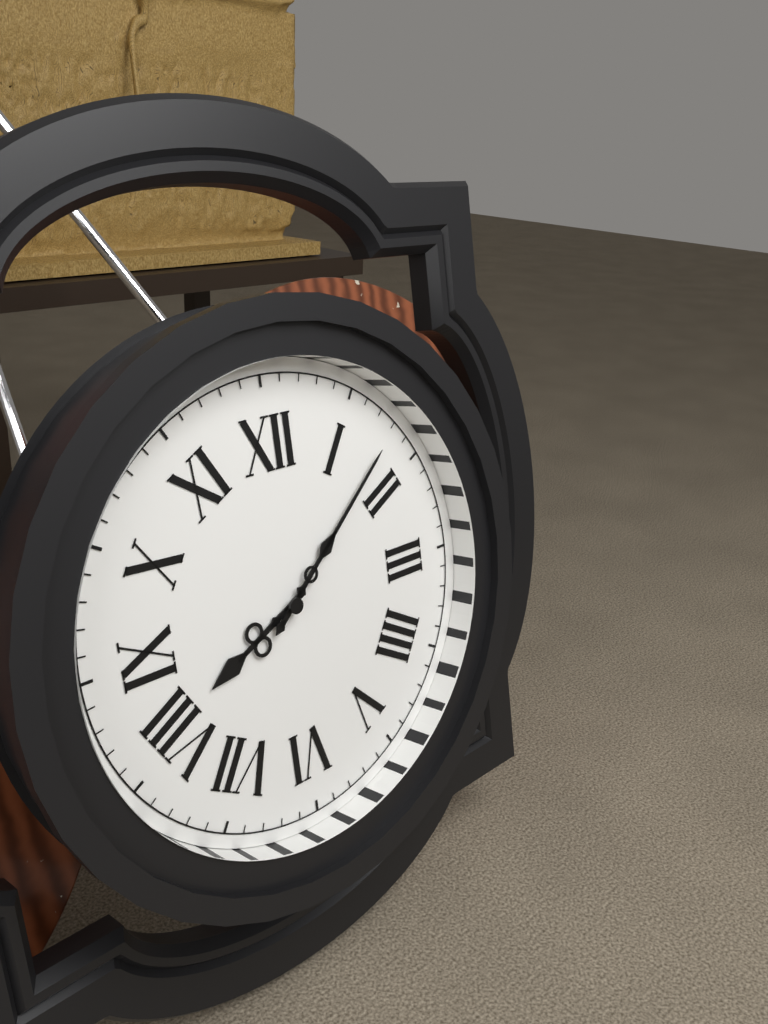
8:08
